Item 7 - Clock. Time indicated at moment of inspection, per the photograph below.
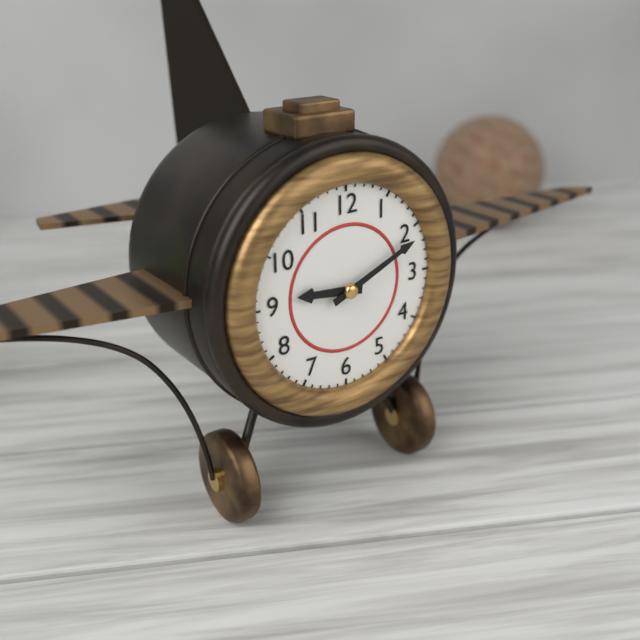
9:11
